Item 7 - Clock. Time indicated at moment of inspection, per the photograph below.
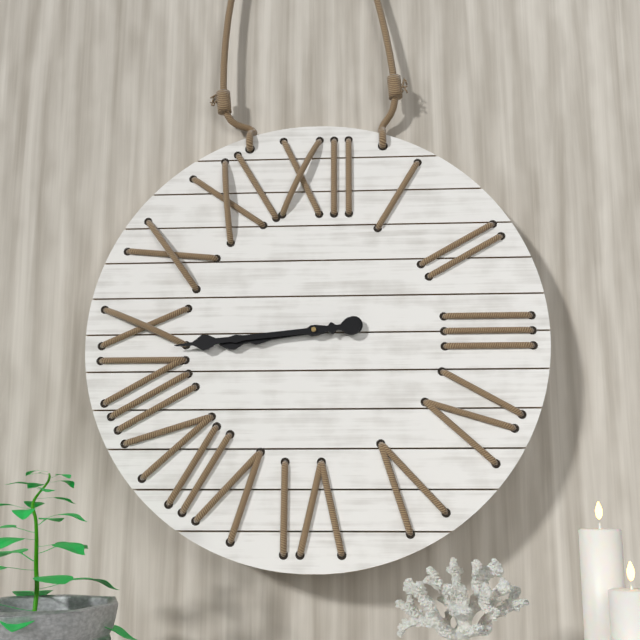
8:44
